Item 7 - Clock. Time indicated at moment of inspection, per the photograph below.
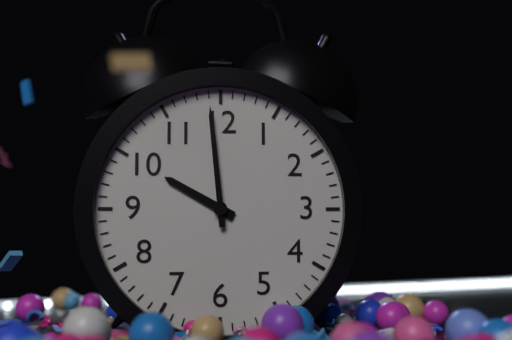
9:59
